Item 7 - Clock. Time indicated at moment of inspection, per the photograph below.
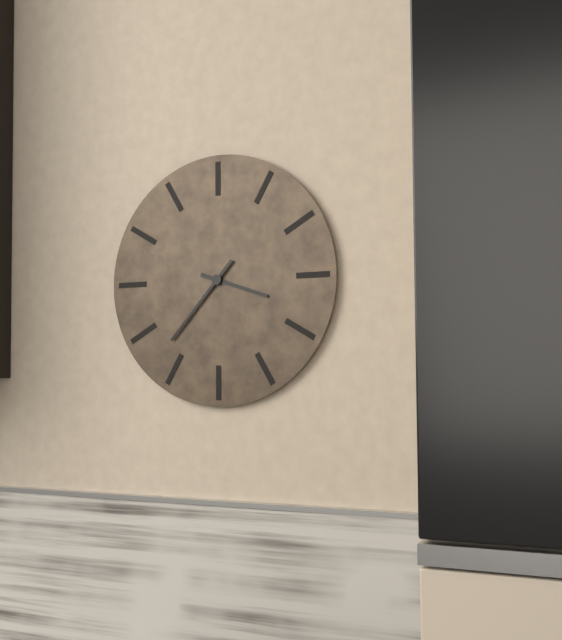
3:37
